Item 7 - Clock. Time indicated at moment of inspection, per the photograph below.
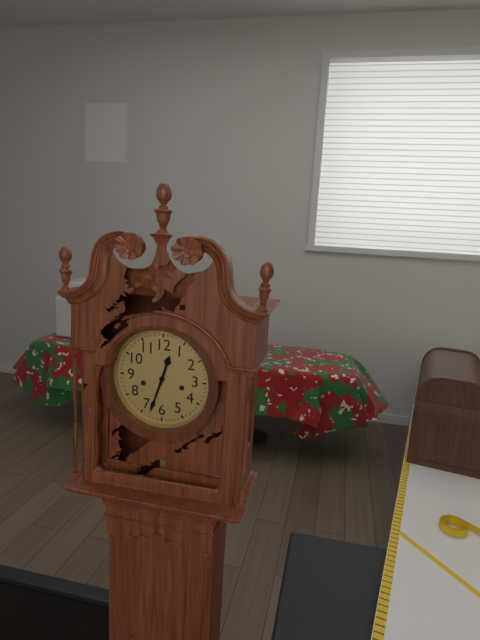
12:33
